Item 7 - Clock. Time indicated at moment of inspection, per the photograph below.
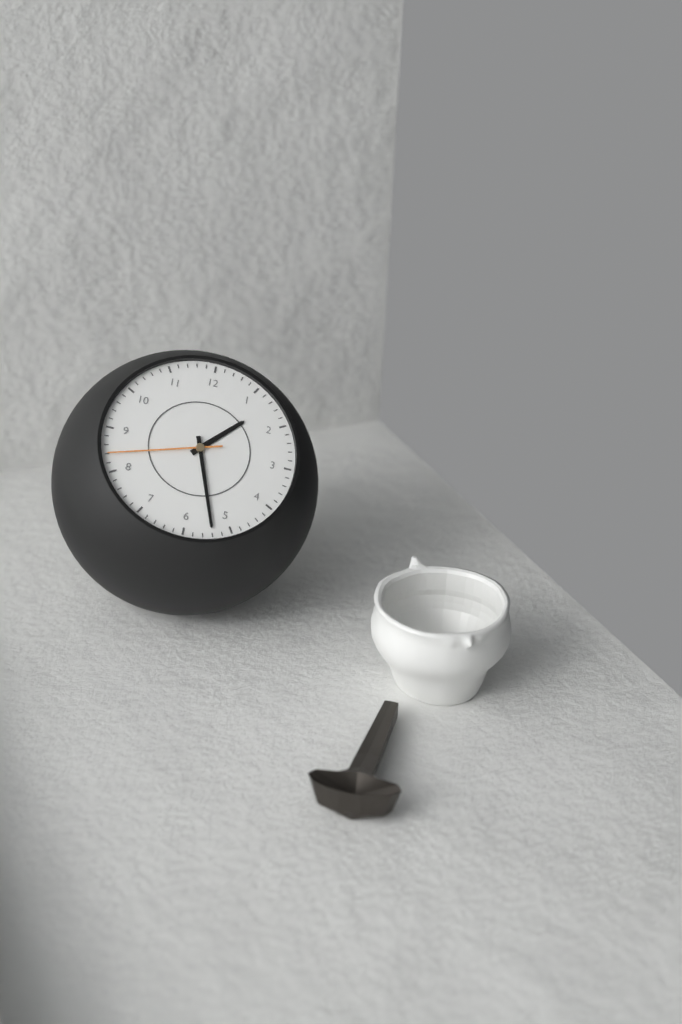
1:27:42
